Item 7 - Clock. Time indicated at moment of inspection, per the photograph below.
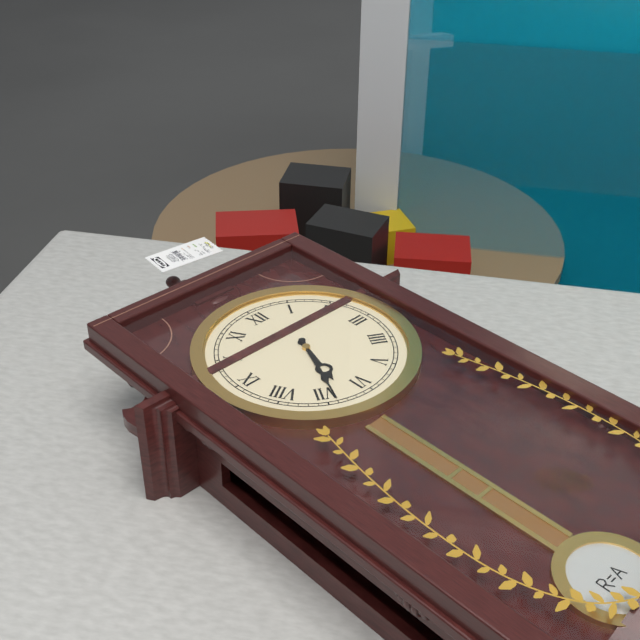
6:34
